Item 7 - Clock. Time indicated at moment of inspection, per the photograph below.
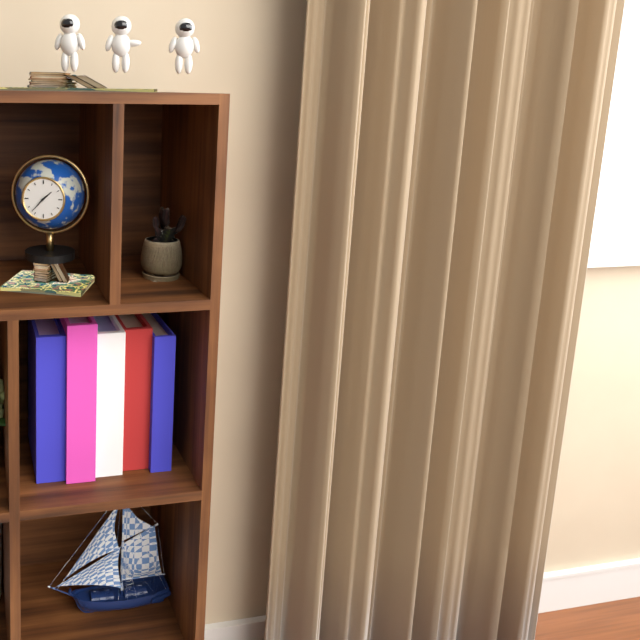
1:37
